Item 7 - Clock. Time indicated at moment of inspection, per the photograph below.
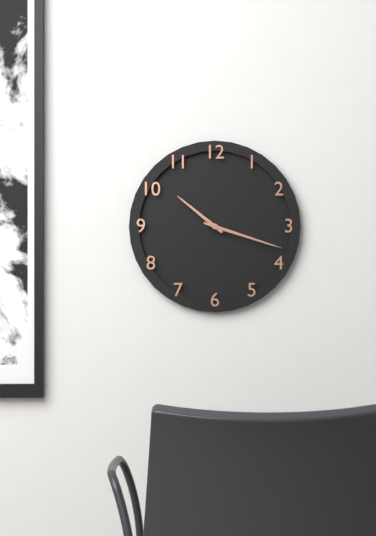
10:18
